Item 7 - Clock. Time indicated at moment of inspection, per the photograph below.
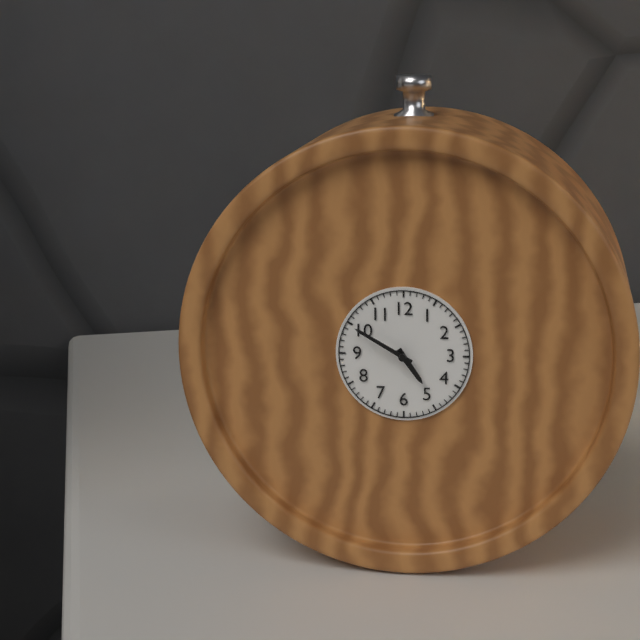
4:50
